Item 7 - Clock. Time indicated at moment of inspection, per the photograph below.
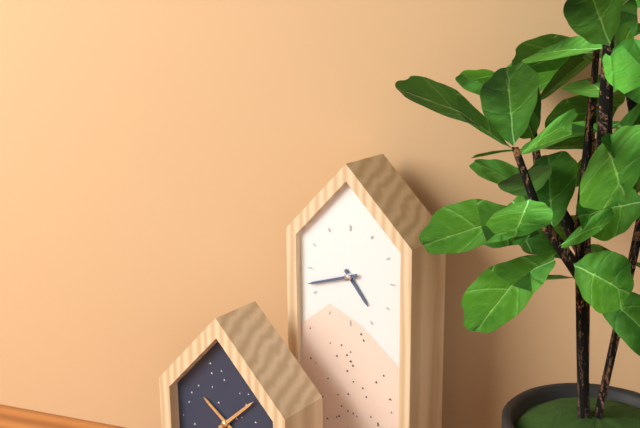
4:42
